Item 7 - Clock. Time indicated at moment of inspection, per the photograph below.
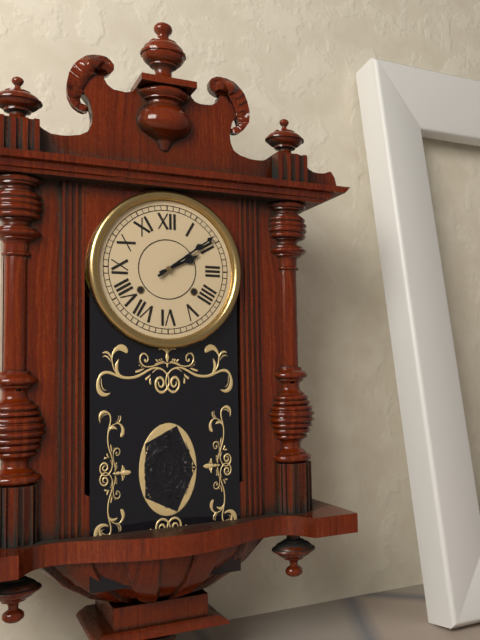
2:09
